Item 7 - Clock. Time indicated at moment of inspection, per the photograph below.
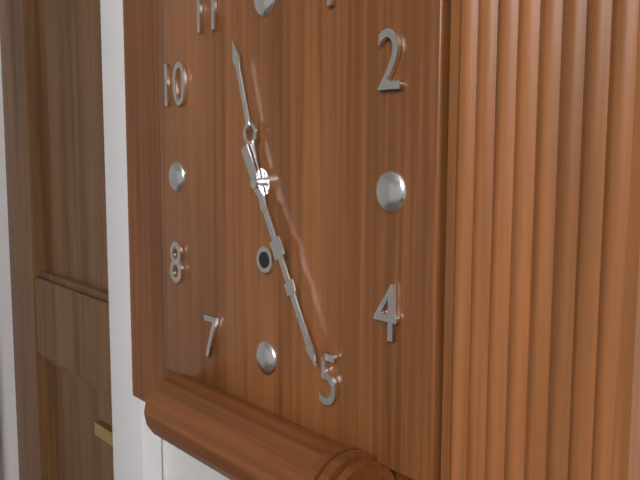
11:25
